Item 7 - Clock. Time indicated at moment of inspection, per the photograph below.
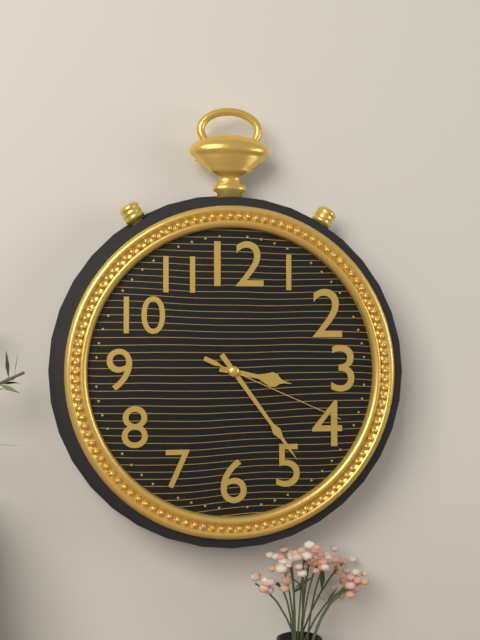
3:24:19
